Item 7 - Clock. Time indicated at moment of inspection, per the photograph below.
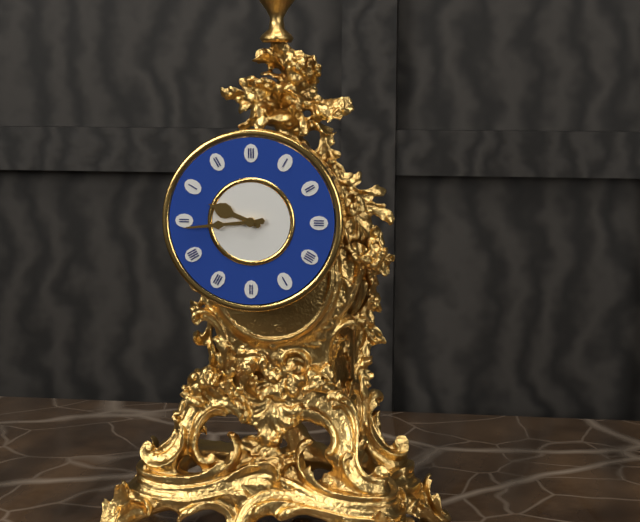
9:44
